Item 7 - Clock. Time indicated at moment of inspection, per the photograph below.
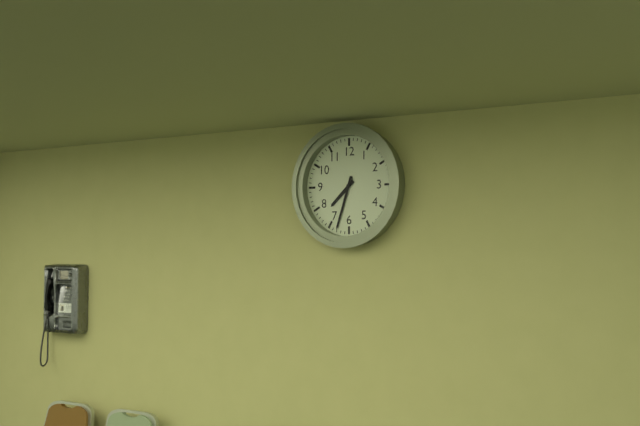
7:33
